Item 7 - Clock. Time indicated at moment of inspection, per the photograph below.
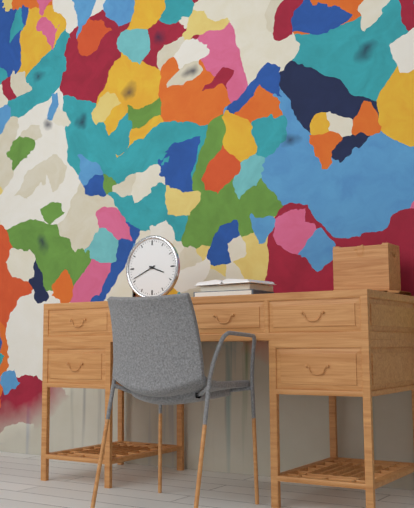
3:41
